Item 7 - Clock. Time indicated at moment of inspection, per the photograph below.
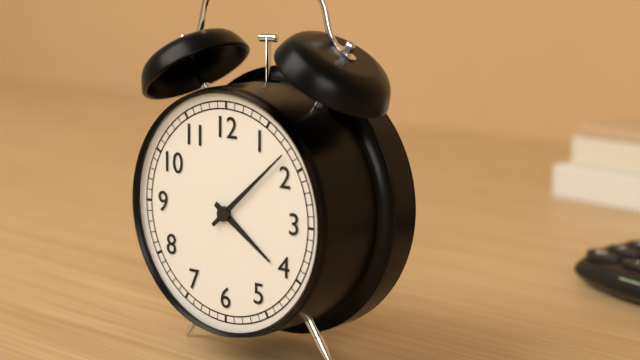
4:08
